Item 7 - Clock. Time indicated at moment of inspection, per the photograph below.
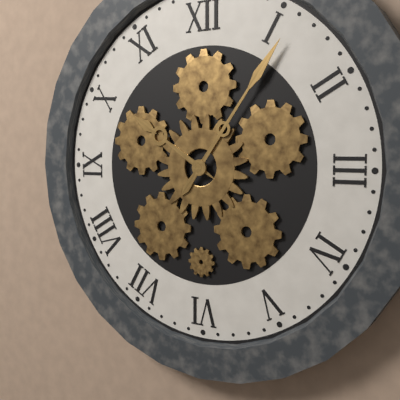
10:06
